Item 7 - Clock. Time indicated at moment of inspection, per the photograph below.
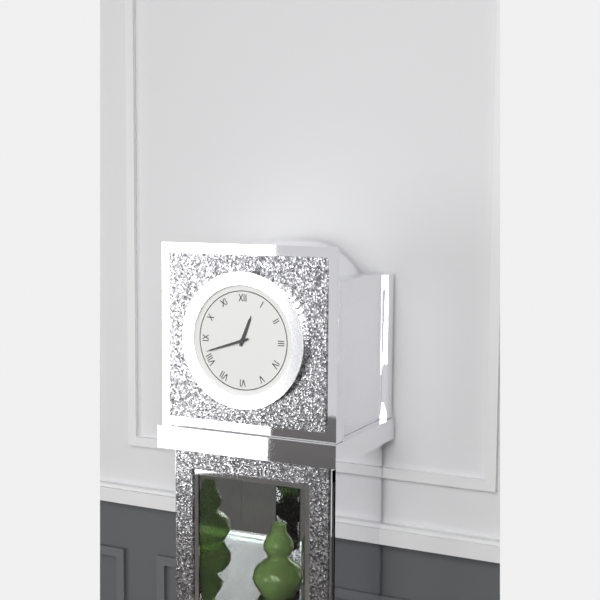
12:42
